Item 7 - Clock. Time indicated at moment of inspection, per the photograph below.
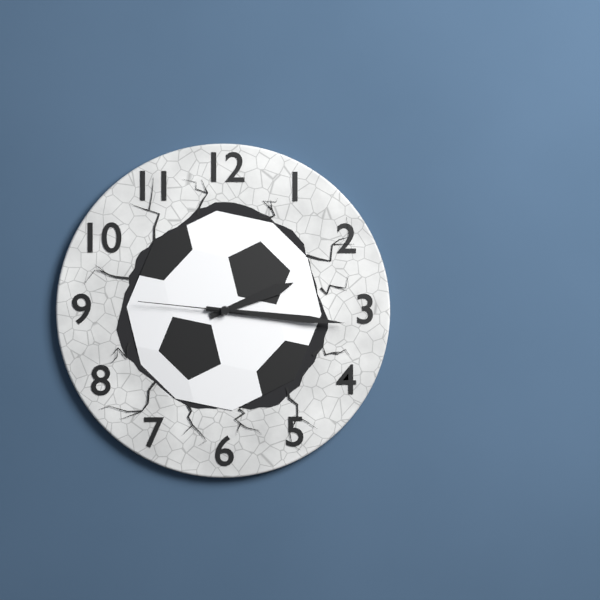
2:16:46
